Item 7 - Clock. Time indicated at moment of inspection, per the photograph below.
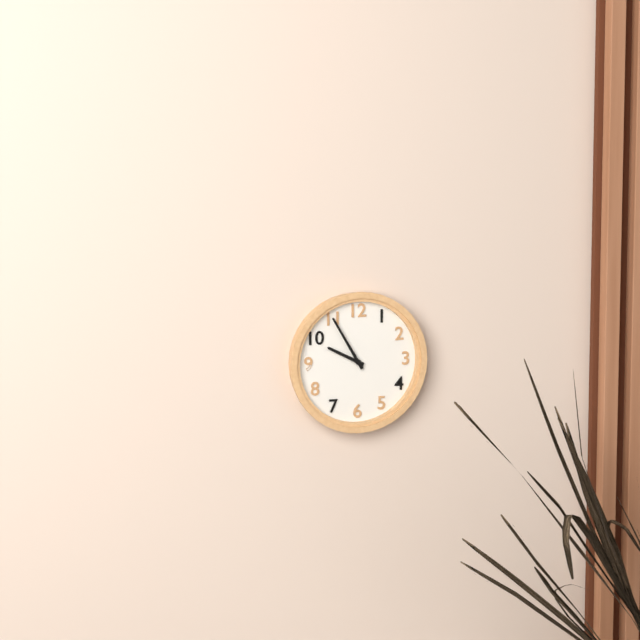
9:55
